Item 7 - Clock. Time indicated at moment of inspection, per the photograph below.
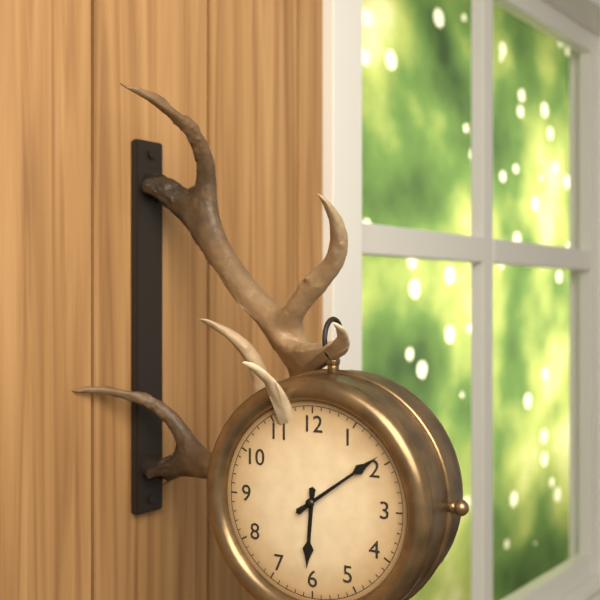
6:09
